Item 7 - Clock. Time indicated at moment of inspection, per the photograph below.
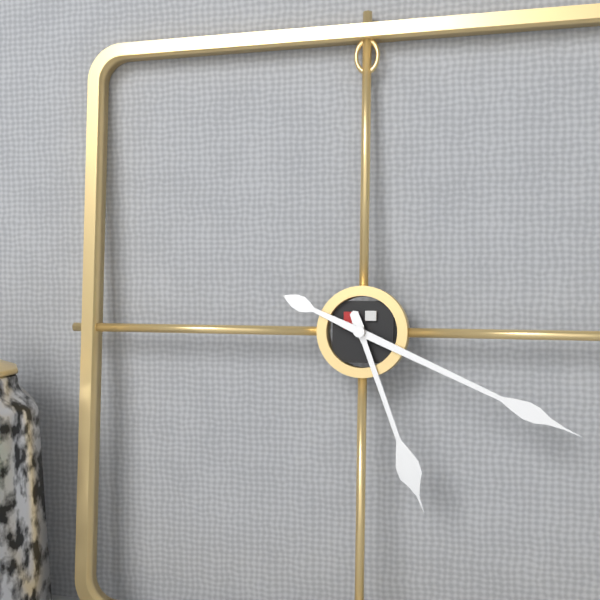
5:19
